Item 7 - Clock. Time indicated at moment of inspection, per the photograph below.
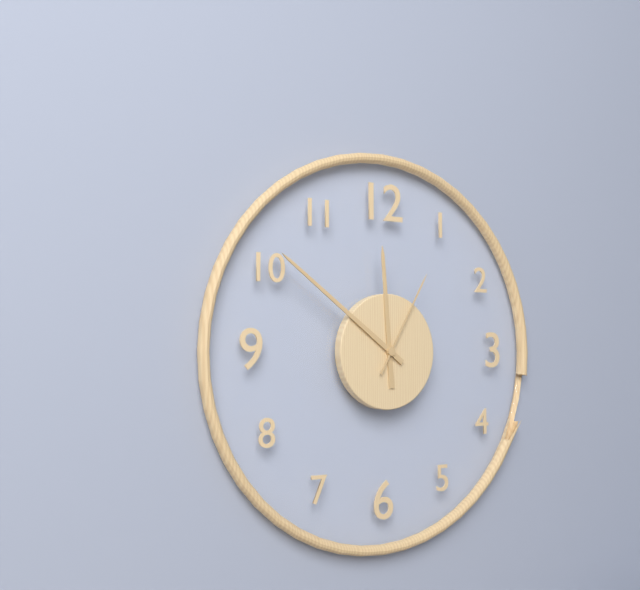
11:51:05
